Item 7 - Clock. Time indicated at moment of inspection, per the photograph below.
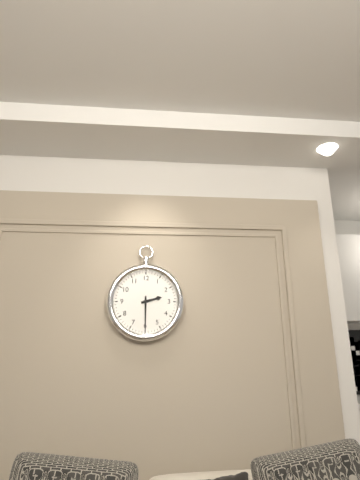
2:30
